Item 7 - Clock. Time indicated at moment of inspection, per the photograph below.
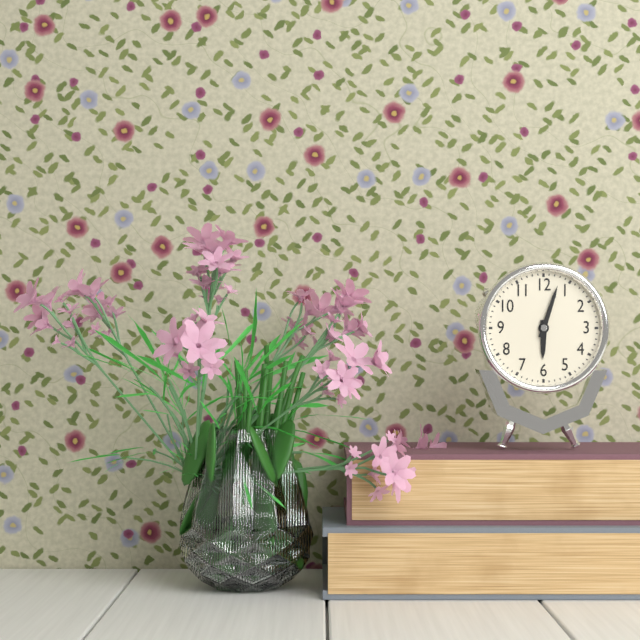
6:03
